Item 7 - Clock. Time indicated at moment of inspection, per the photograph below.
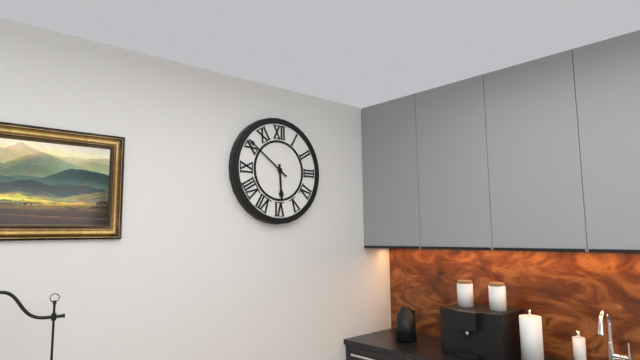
5:51
